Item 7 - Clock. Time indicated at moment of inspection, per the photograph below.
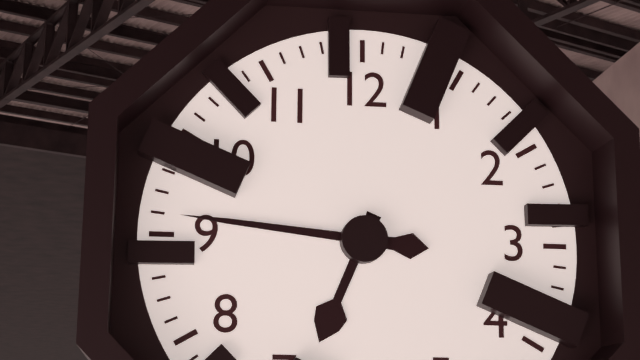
6:46
